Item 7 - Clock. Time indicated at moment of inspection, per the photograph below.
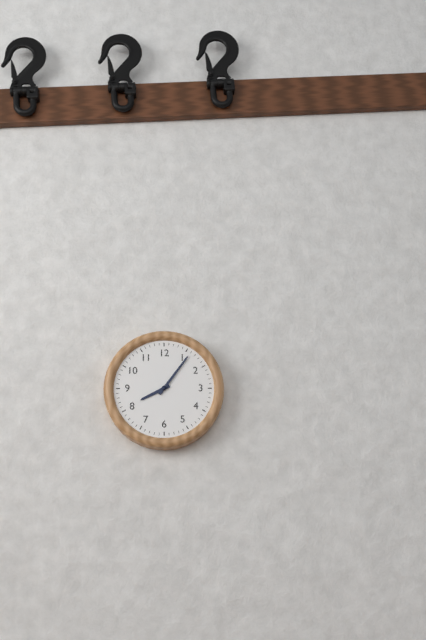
8:06
